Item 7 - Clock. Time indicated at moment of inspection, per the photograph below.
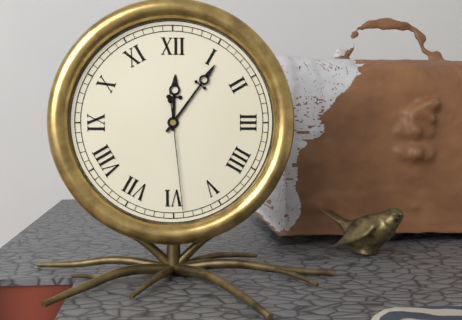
12:06:29
